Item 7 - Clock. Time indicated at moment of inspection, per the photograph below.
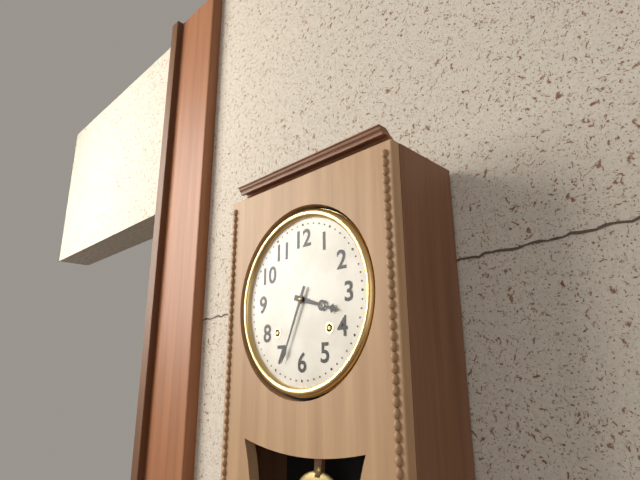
3:34
